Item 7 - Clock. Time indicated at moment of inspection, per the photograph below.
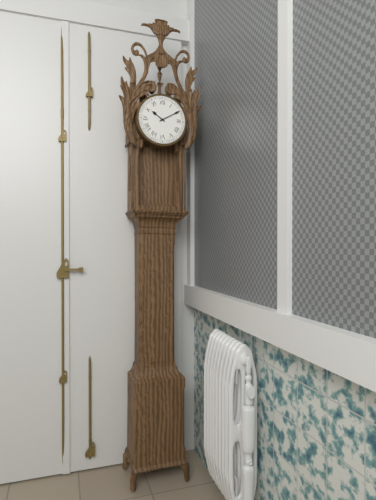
10:10
